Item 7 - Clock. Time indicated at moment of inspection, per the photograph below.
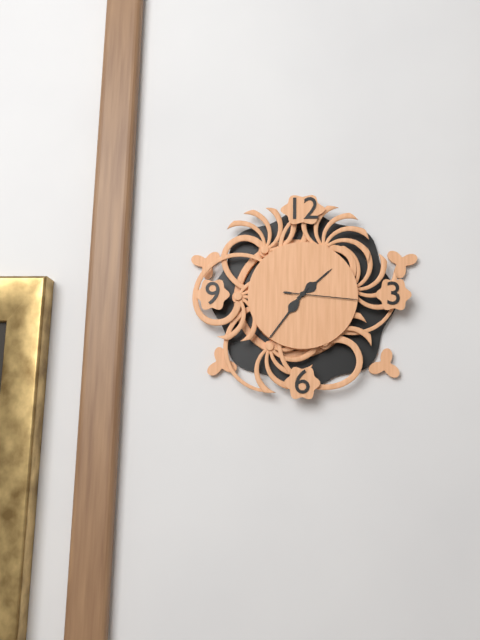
1:36:16
